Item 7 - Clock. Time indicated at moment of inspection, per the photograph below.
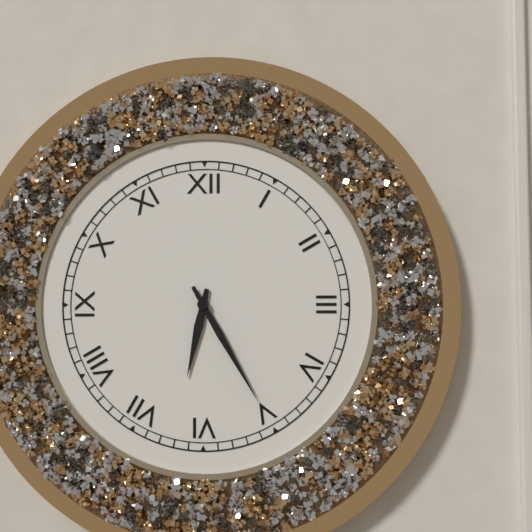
6:25
